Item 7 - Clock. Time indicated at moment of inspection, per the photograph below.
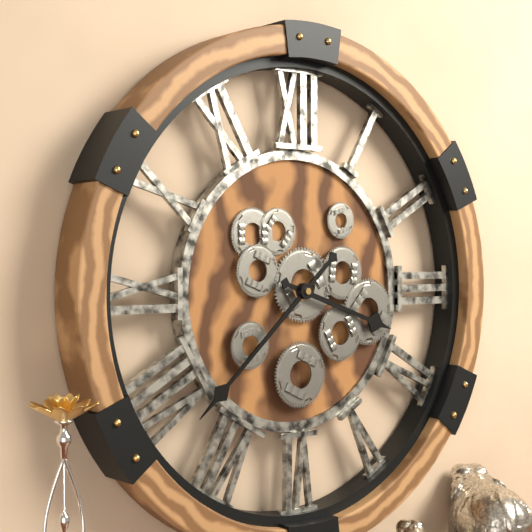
3:38
